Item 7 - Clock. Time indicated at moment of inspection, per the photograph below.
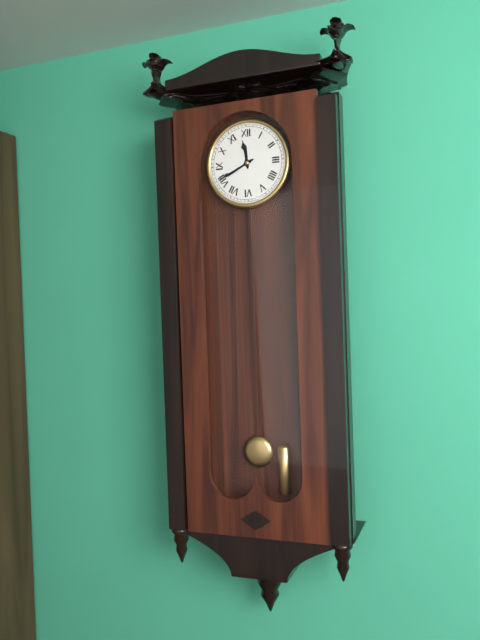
11:41
